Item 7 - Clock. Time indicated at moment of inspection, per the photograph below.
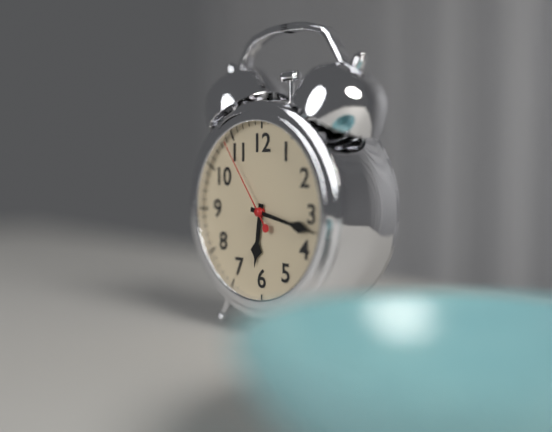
6:17:54
